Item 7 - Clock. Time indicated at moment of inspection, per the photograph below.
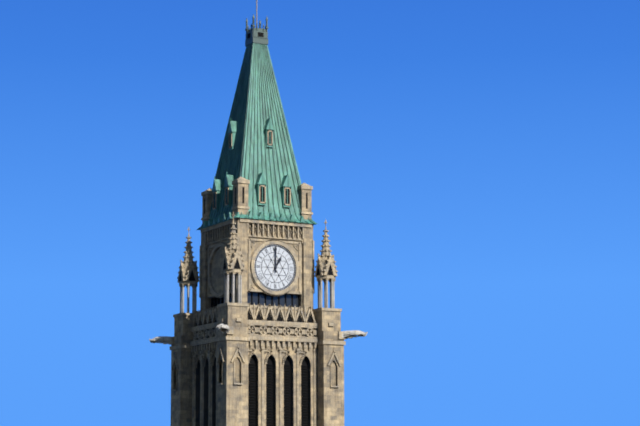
1:00
